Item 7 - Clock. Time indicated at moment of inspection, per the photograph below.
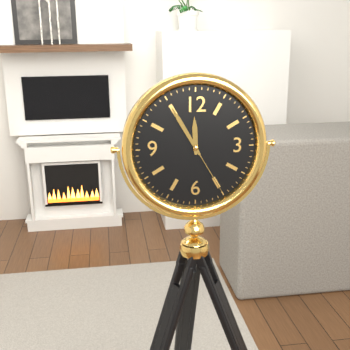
11:55:25
